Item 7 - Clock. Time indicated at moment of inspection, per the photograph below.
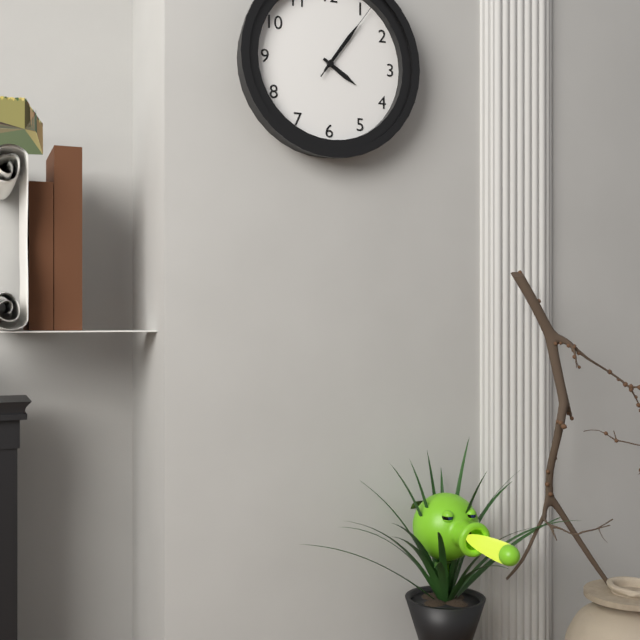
4:06:06
